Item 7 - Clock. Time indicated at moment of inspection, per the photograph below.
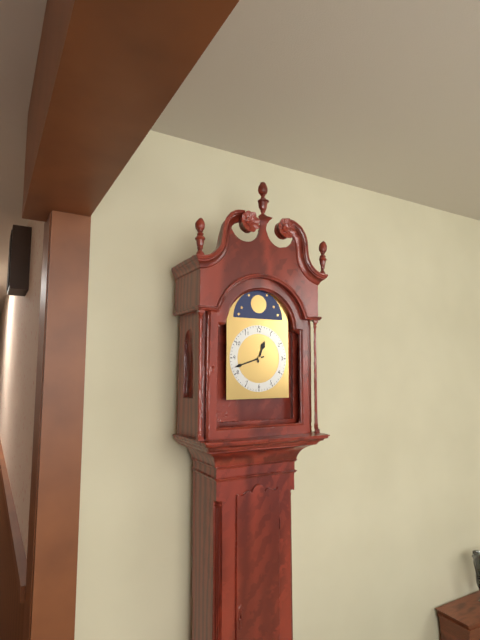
12:42
